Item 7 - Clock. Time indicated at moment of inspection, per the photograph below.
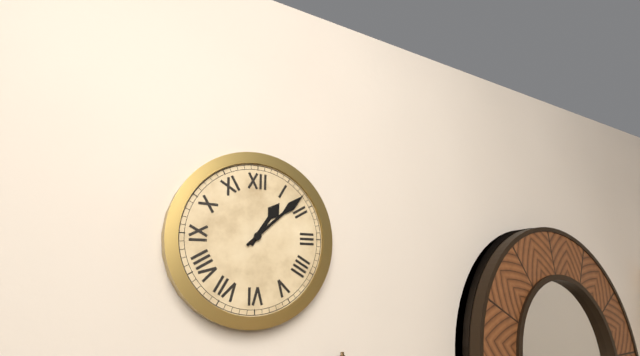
1:08
